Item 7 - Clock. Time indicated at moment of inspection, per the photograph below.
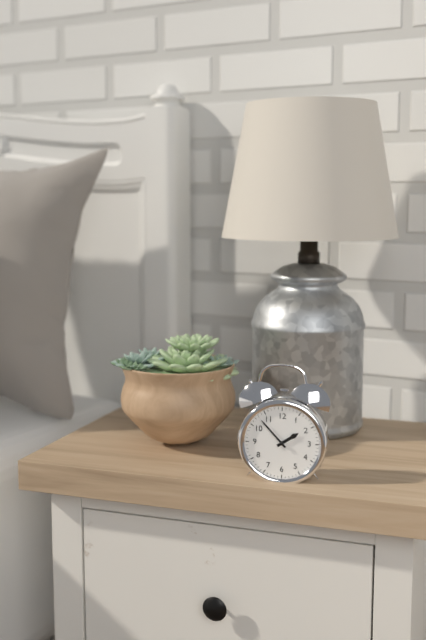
1:53
